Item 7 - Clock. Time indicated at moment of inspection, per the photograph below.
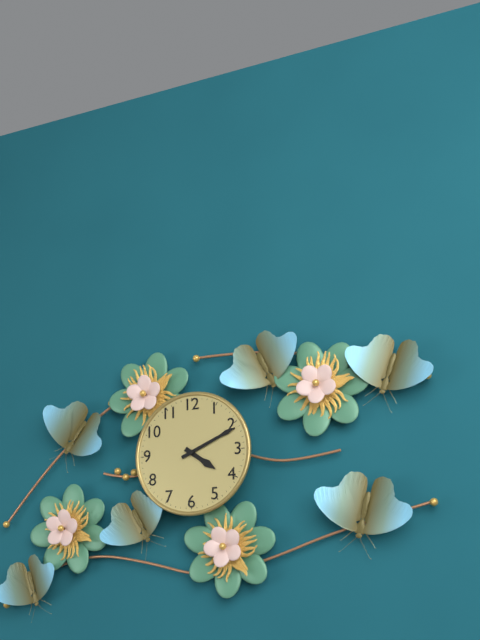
4:11
